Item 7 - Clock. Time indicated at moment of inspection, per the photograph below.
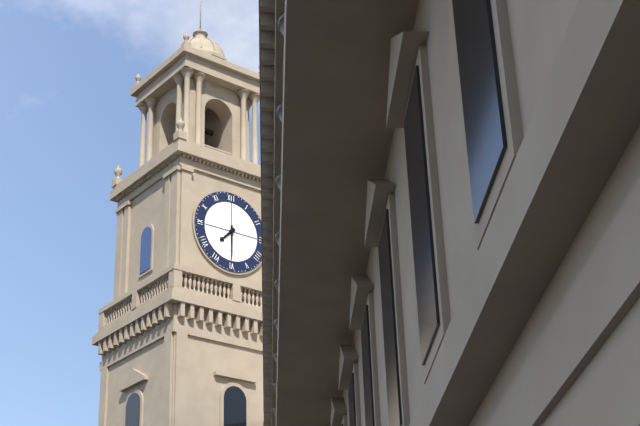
7:30
